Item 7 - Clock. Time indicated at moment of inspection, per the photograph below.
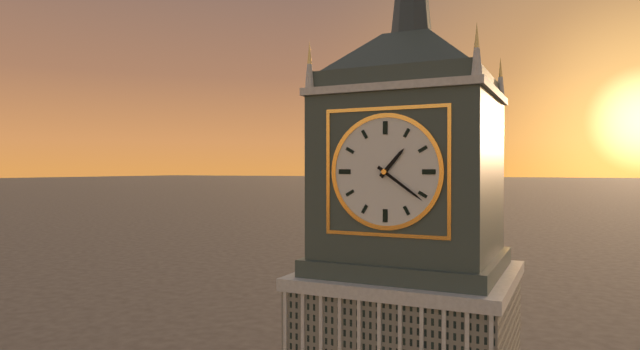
1:21
